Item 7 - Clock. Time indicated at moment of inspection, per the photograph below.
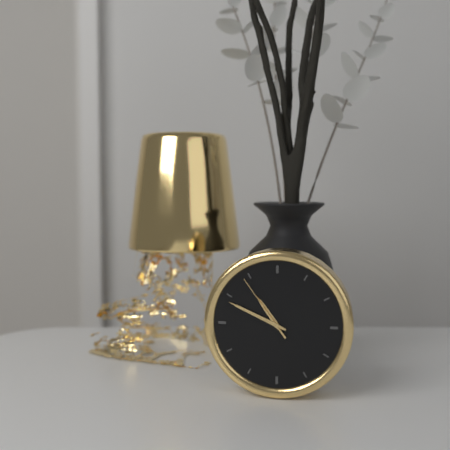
10:49:54
